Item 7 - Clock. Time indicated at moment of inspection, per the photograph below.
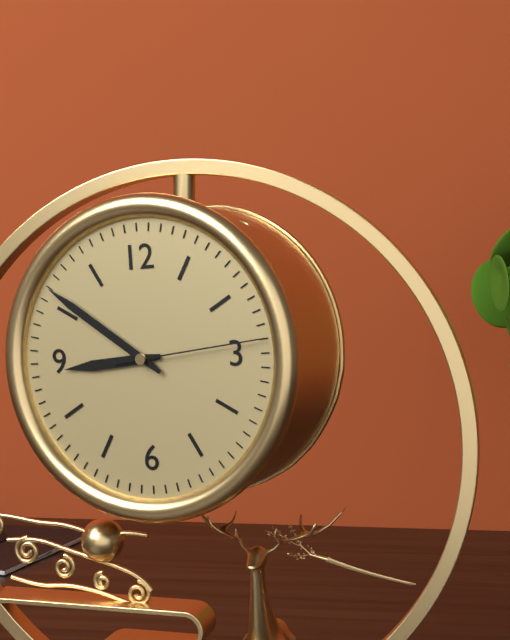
8:51:14
